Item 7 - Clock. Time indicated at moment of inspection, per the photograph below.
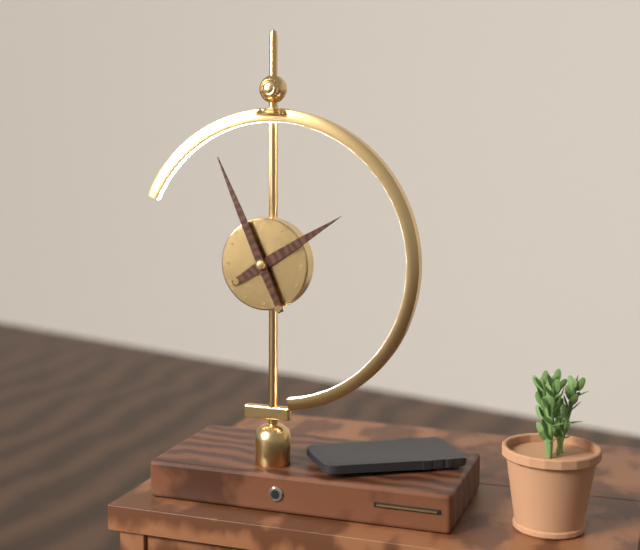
1:56
